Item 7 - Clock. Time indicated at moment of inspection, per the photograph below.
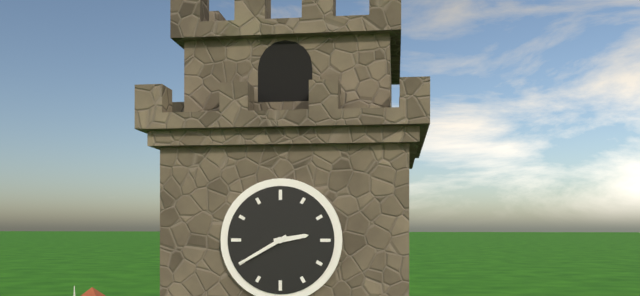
2:40
